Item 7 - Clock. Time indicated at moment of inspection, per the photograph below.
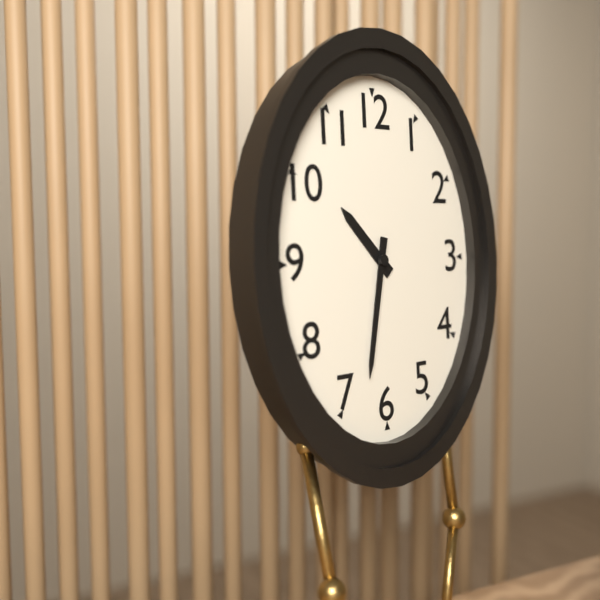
10:32
